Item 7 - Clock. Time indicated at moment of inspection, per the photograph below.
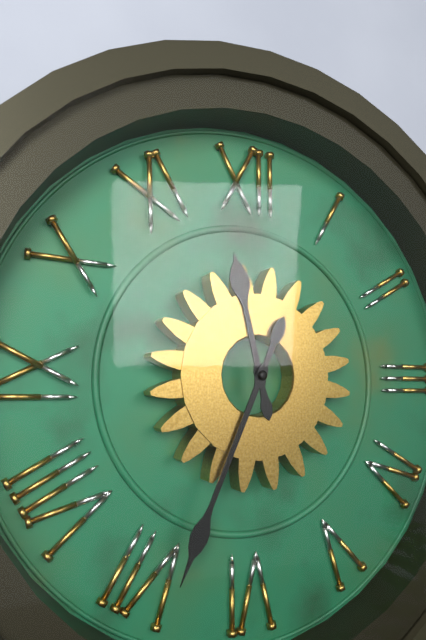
11:34
